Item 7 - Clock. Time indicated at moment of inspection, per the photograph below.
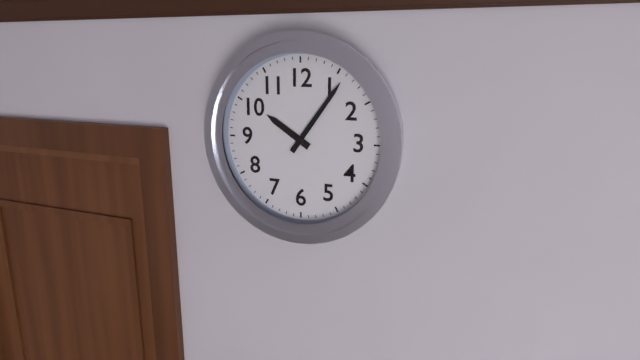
10:06
